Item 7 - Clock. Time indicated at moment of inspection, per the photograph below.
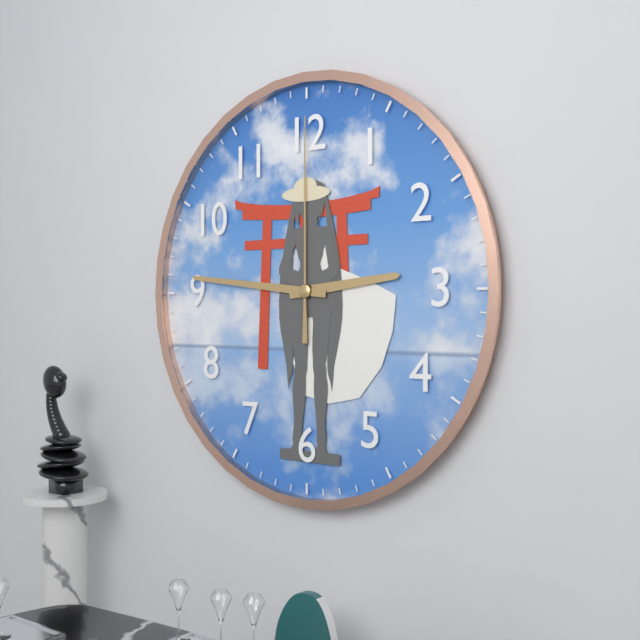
2:46:00
